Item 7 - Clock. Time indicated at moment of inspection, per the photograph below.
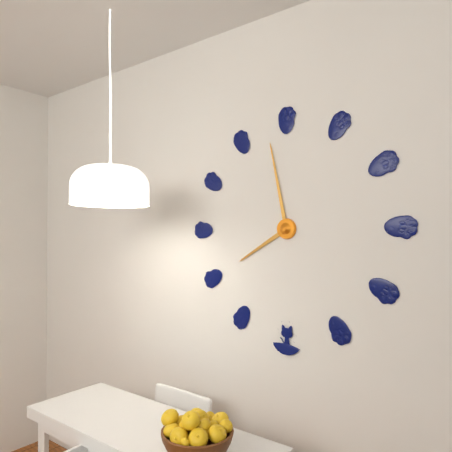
7:58
